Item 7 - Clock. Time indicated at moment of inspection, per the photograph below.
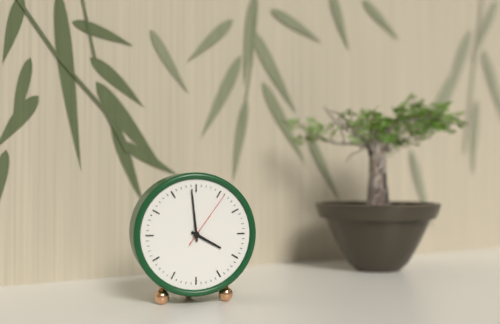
3:59:06
